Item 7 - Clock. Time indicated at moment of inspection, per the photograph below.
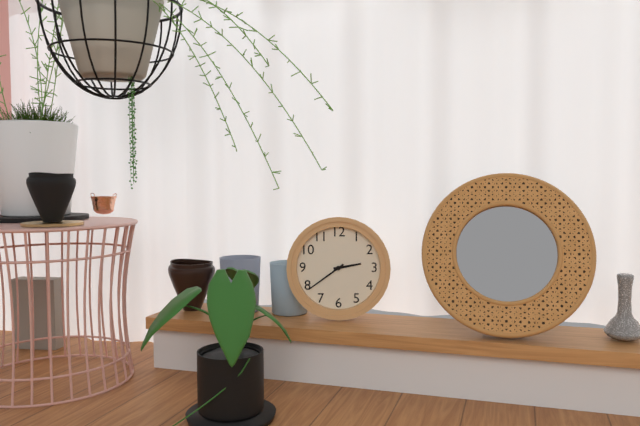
2:39
